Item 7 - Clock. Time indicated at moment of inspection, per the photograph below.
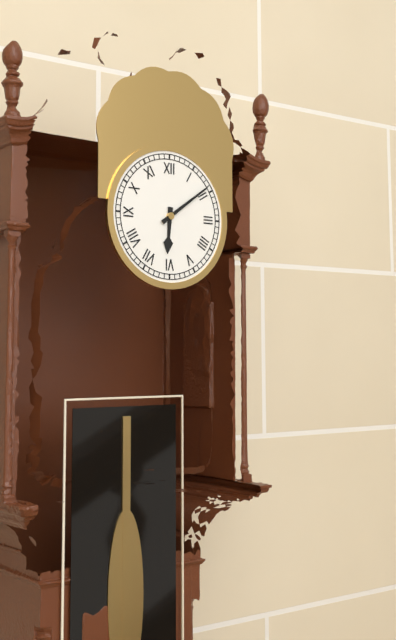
6:09
